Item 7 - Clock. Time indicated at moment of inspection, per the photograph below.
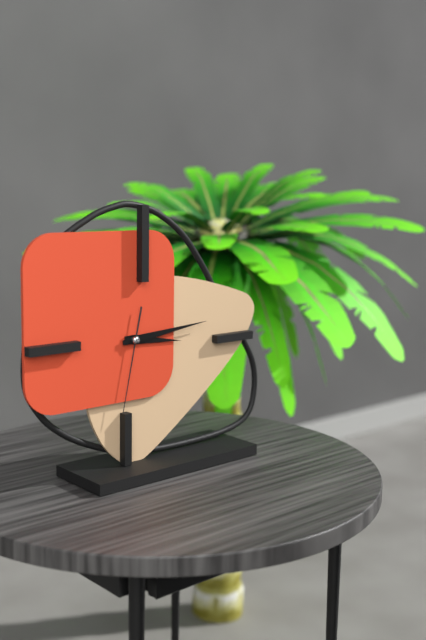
3:14:32
